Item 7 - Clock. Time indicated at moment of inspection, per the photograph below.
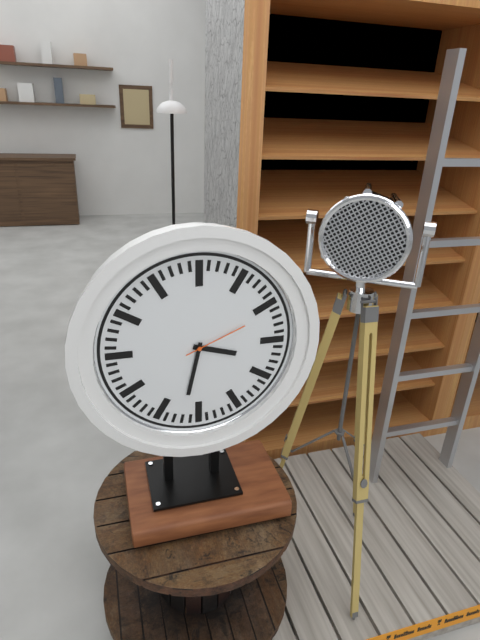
3:32:11
